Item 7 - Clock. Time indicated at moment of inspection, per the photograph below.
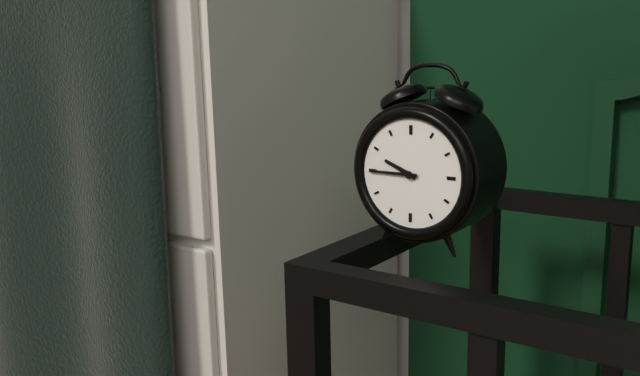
9:45
